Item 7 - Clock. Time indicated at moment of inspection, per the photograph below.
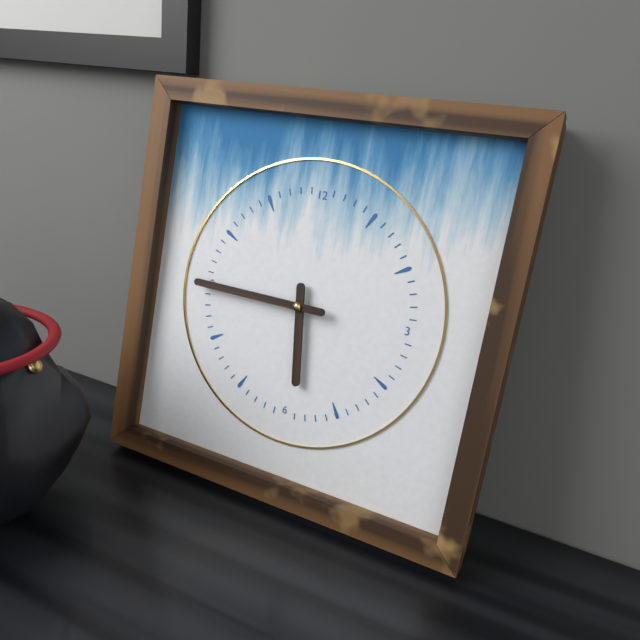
5:45
